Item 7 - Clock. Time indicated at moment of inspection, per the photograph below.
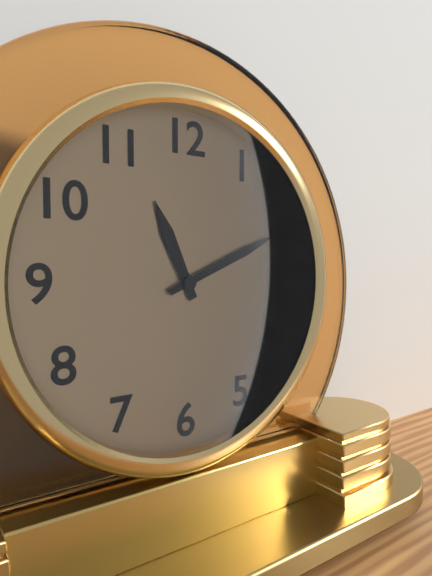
11:11
